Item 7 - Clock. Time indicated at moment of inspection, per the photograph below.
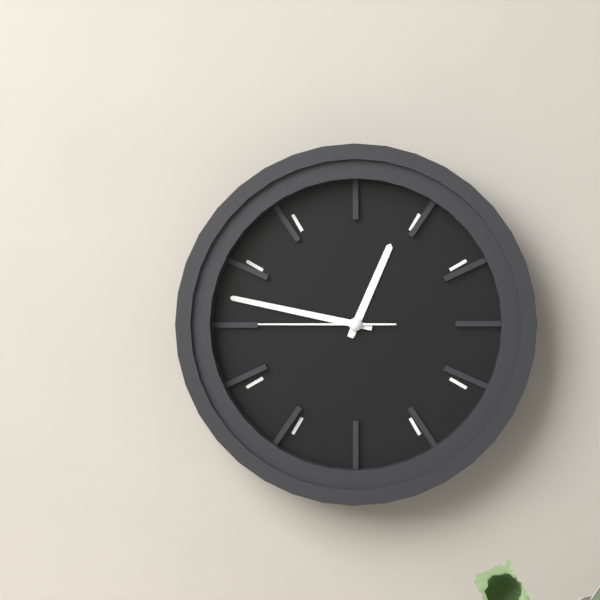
12:47:45
